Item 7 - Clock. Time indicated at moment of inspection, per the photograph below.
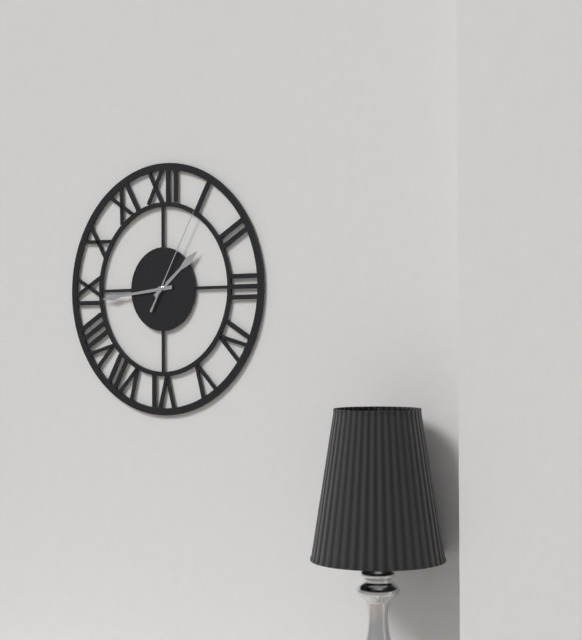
1:44:05
